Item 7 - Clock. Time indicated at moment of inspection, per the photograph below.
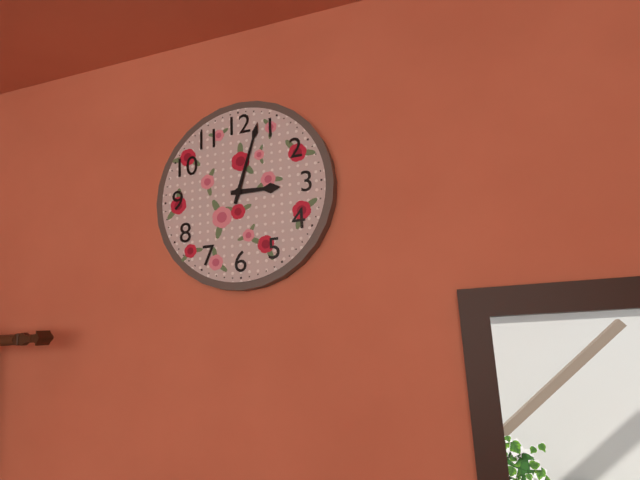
3:03
